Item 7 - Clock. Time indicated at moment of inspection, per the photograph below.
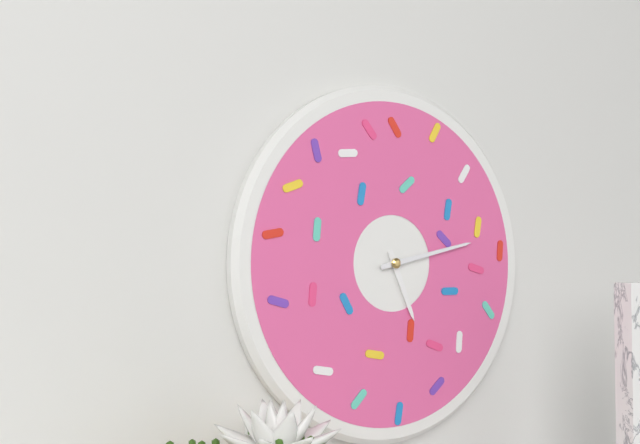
5:13
